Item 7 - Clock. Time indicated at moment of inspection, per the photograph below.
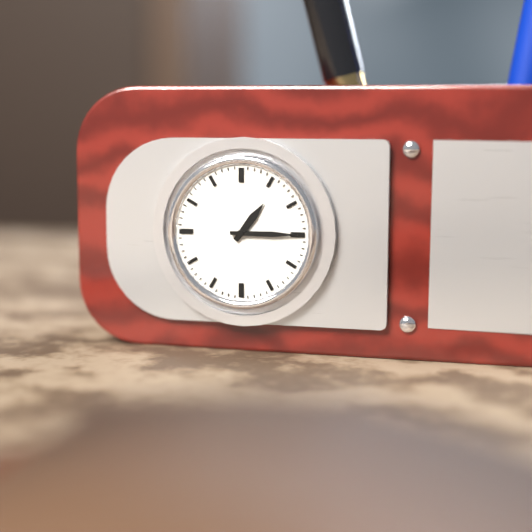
1:15
